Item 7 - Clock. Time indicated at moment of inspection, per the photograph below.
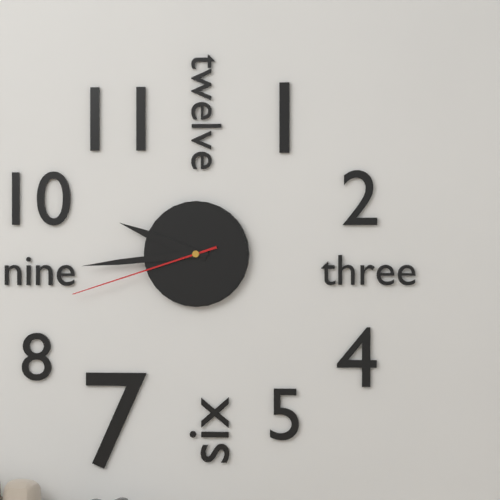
9:44:42
